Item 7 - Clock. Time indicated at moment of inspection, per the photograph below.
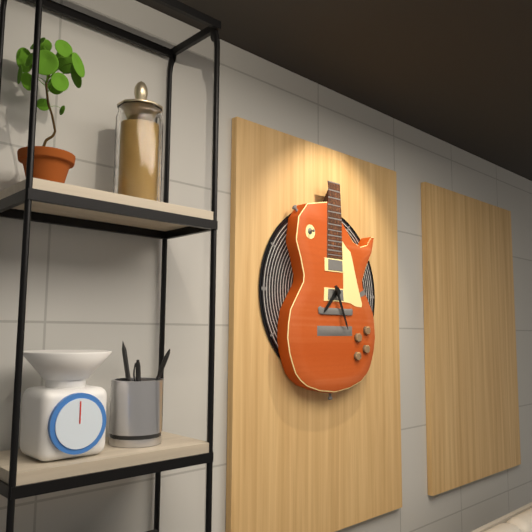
7:26
